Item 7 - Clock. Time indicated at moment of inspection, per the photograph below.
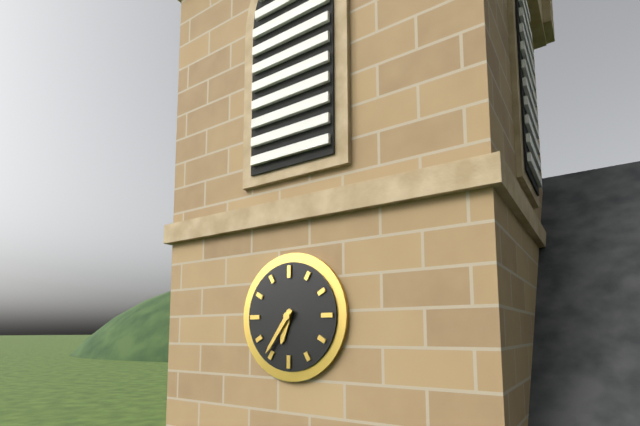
6:36
